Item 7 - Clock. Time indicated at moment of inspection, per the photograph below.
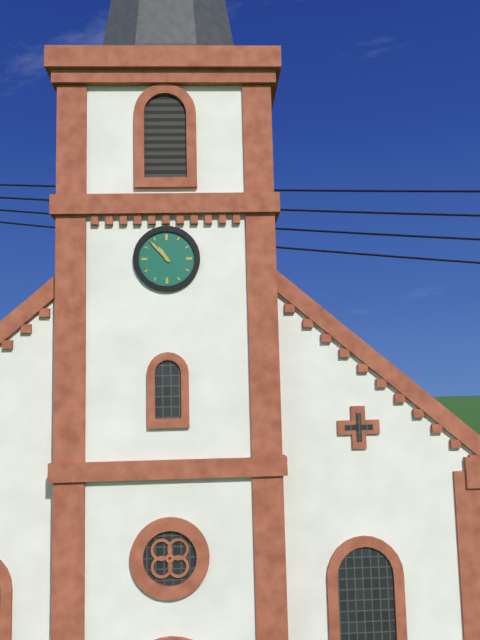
10:53
